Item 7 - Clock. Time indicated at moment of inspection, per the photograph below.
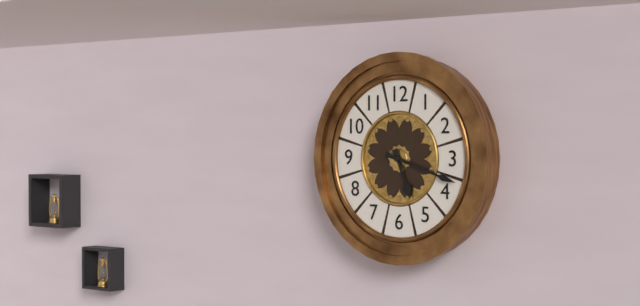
5:18
